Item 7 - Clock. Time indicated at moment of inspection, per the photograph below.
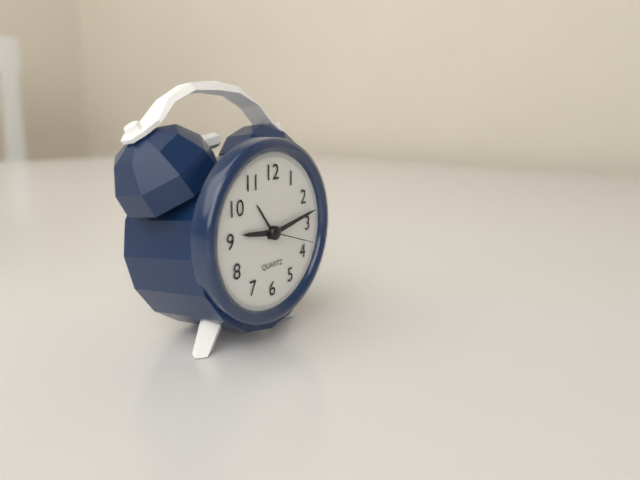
9:13:18
